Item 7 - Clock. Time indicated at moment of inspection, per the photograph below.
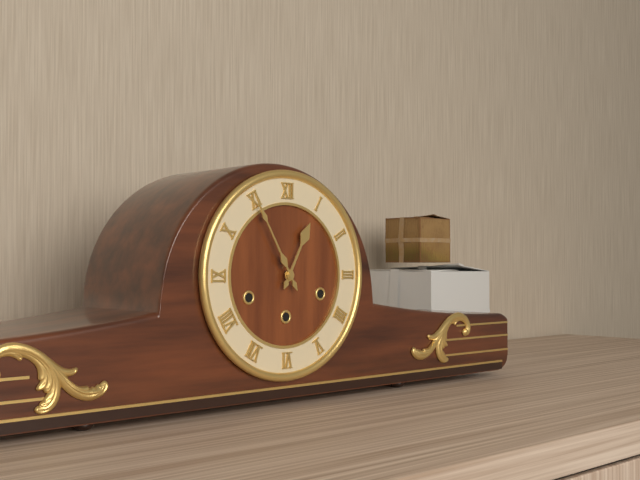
12:55
